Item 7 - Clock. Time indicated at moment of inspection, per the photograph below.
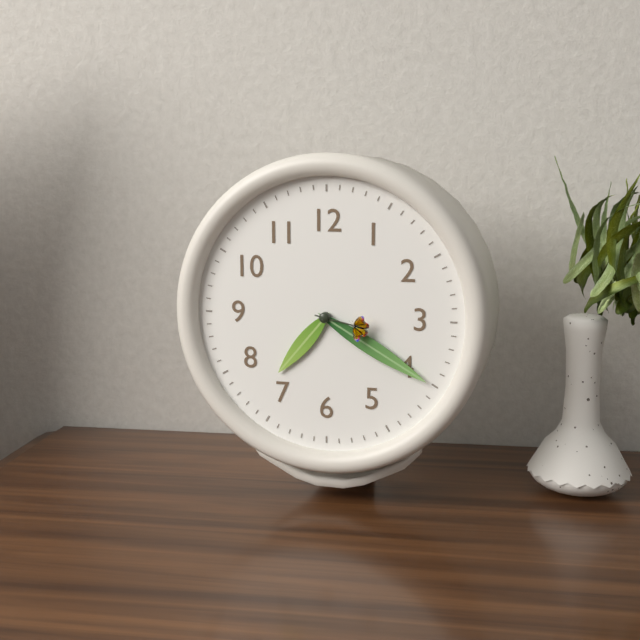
7:20:17
